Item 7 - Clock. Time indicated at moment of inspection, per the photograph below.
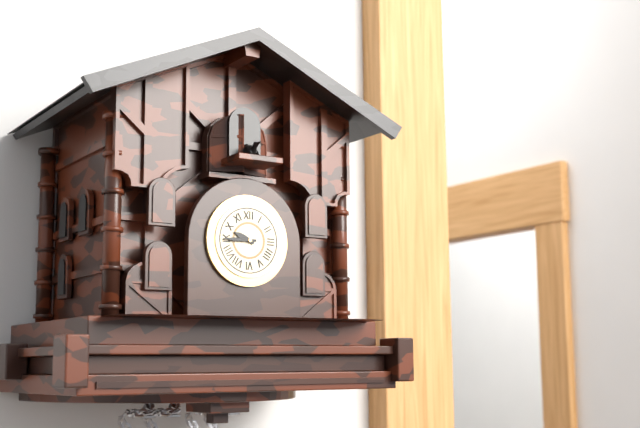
9:45
